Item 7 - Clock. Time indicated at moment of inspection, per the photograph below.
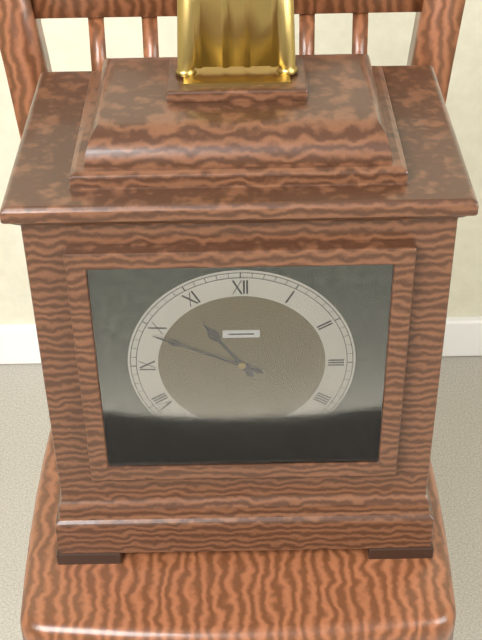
10:49
